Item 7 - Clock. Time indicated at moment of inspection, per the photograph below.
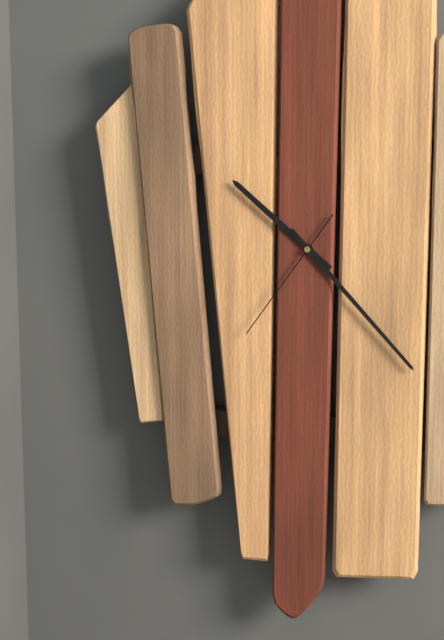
10:23:36
